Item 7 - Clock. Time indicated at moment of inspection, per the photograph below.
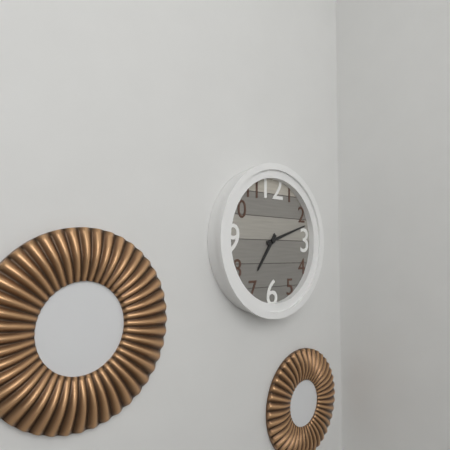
7:12
